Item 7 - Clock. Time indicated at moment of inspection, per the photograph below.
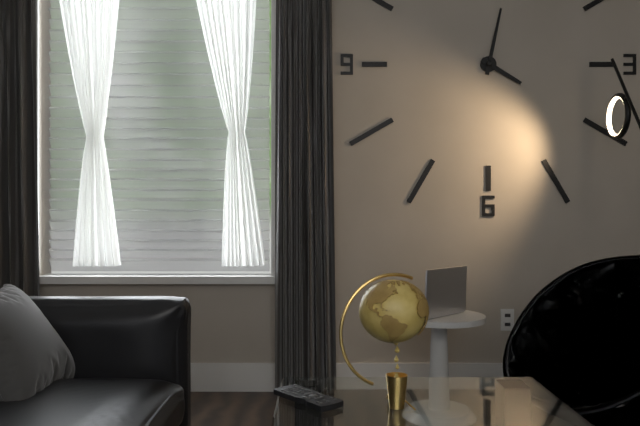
4:02
